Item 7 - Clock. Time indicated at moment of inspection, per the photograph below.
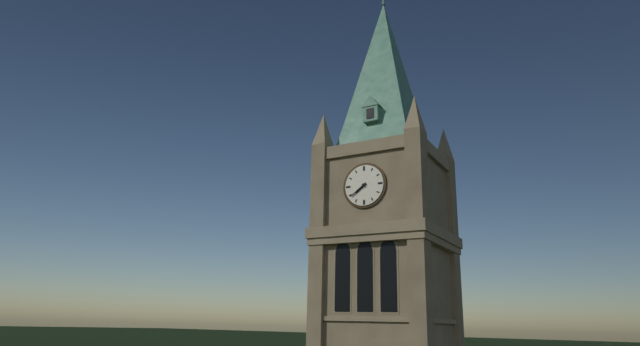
7:39
